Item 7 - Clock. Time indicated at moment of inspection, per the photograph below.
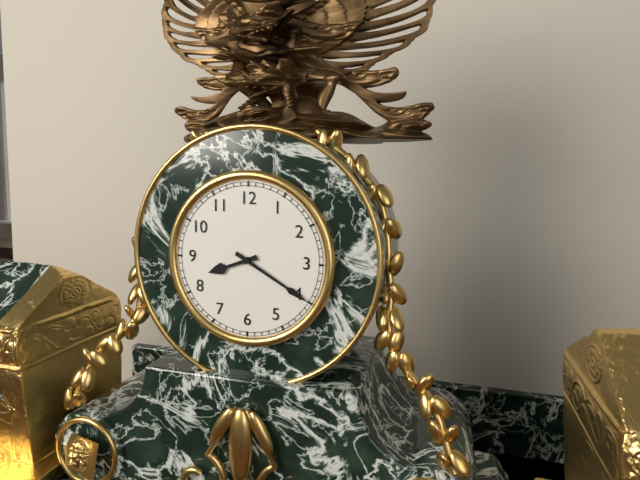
8:20
